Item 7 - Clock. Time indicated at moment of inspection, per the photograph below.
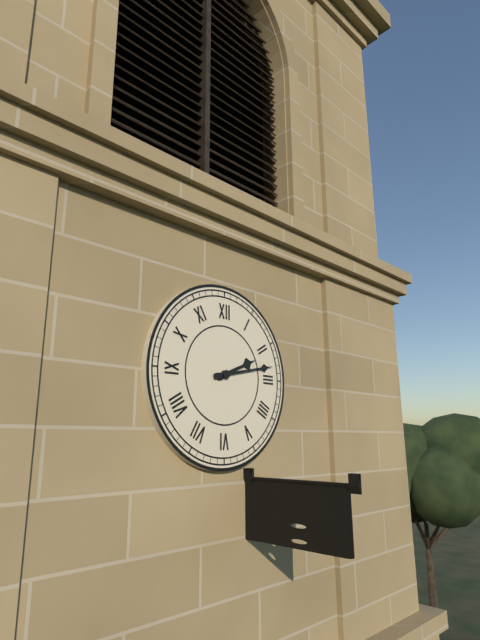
2:13
